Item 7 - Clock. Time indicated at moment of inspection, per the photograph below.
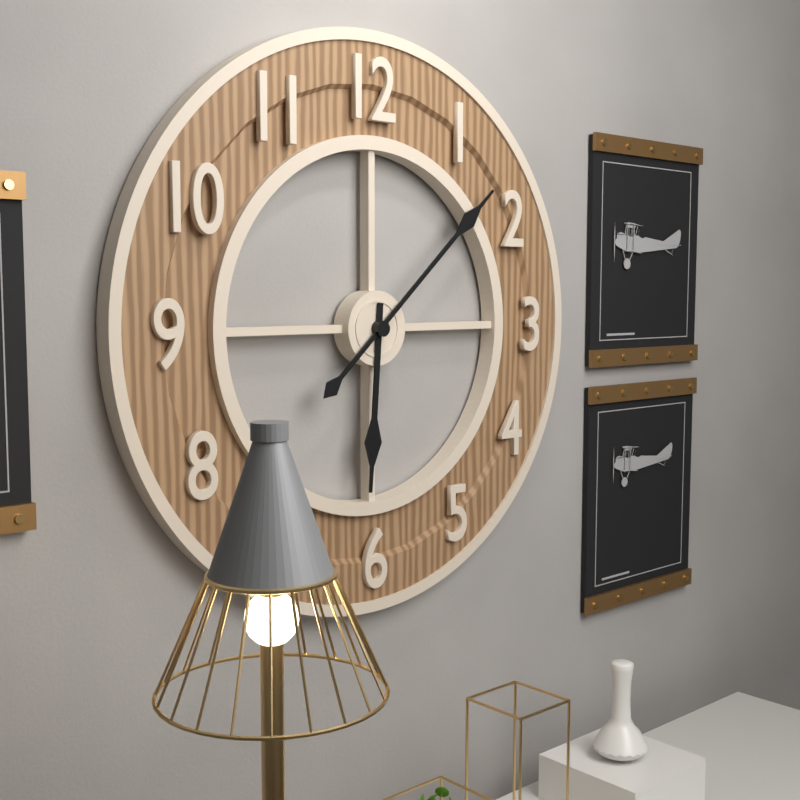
6:08
